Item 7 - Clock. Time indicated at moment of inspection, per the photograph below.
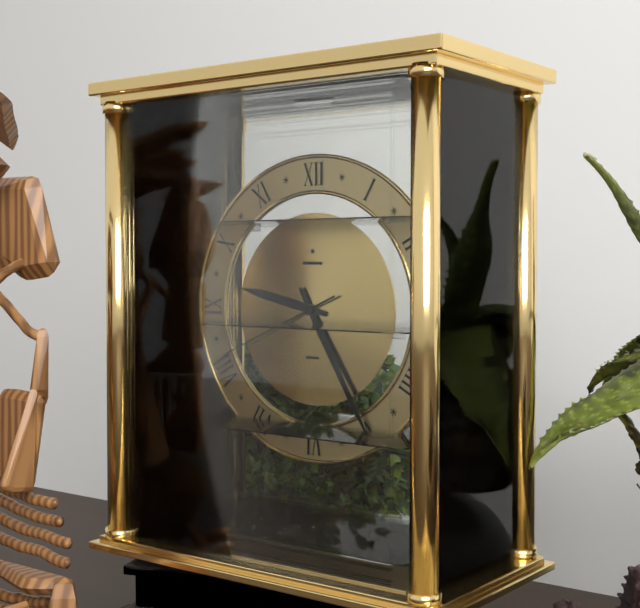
9:25:41
